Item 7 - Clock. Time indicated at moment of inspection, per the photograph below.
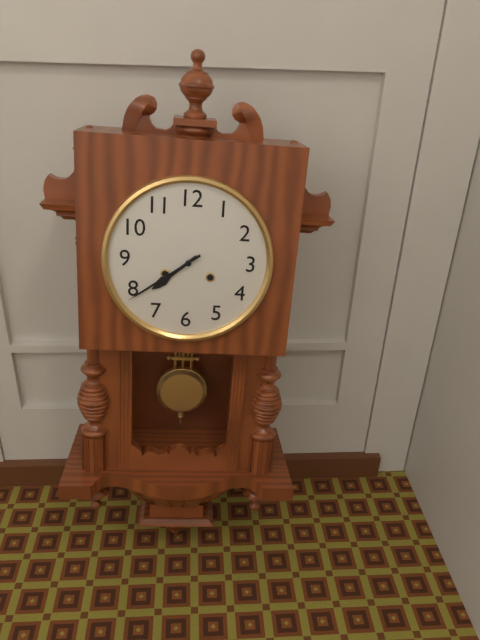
7:39
